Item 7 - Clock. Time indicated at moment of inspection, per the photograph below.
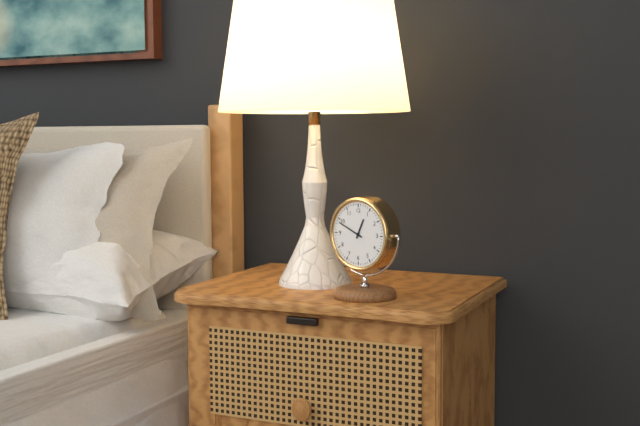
12:49
